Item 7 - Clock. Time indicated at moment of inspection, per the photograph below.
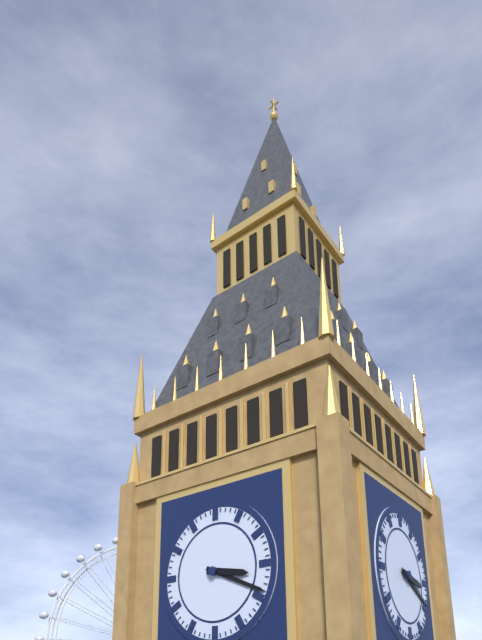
3:19
